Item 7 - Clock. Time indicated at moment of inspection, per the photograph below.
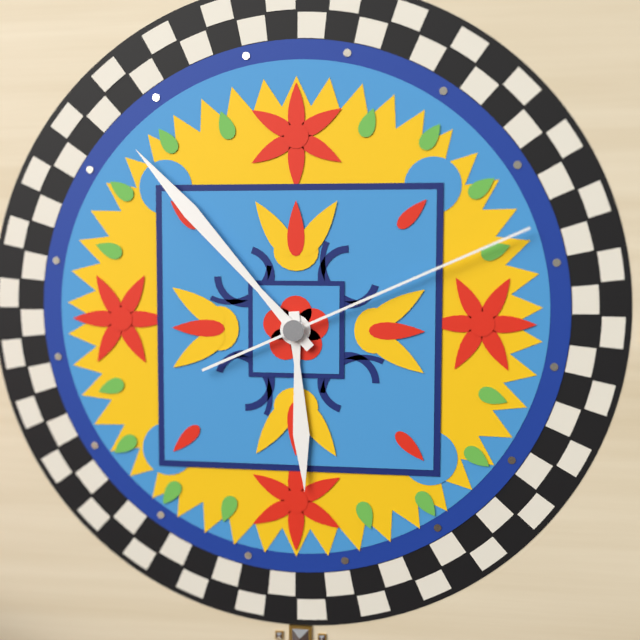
5:53:11
